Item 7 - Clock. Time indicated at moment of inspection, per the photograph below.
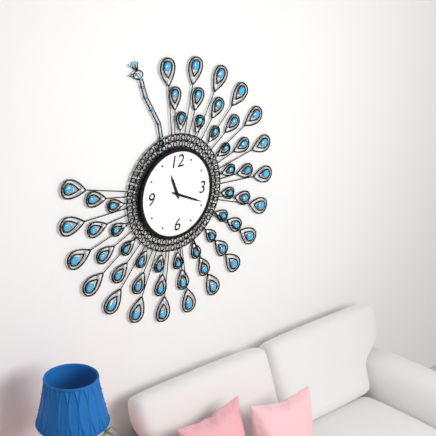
11:19
